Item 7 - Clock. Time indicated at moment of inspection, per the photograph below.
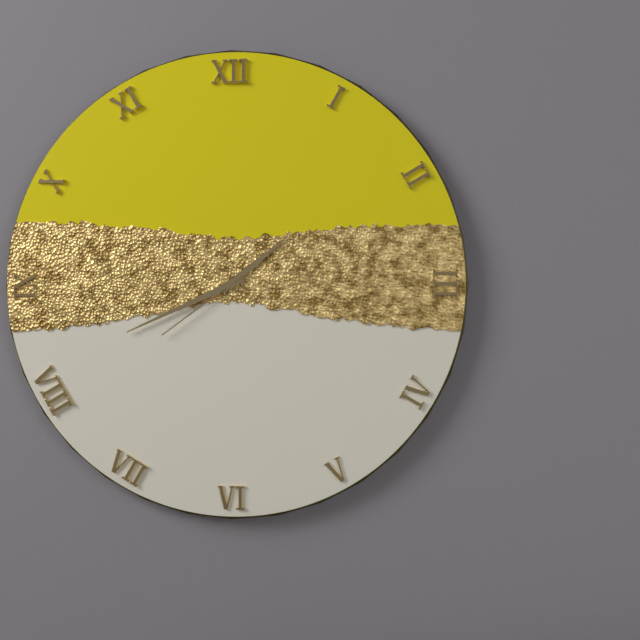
1:41:39
